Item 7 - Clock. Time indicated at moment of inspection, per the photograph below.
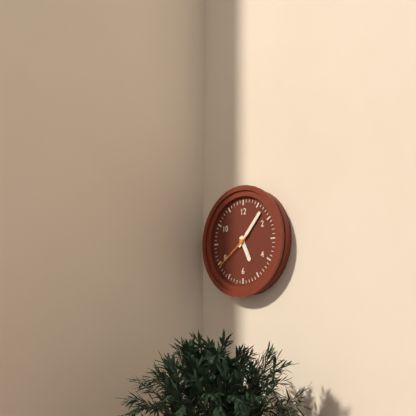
5:07
